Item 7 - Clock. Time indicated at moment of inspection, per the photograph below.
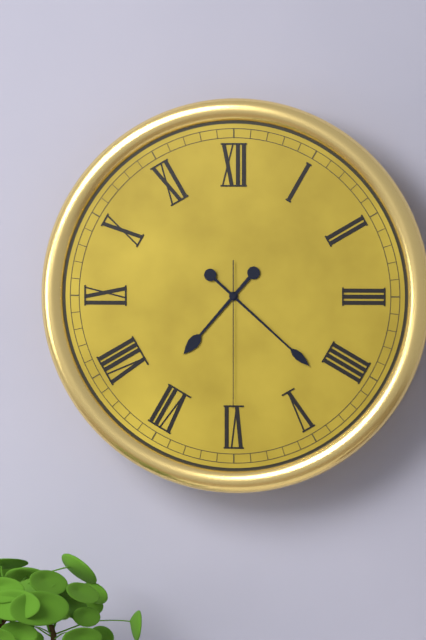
7:22:30
